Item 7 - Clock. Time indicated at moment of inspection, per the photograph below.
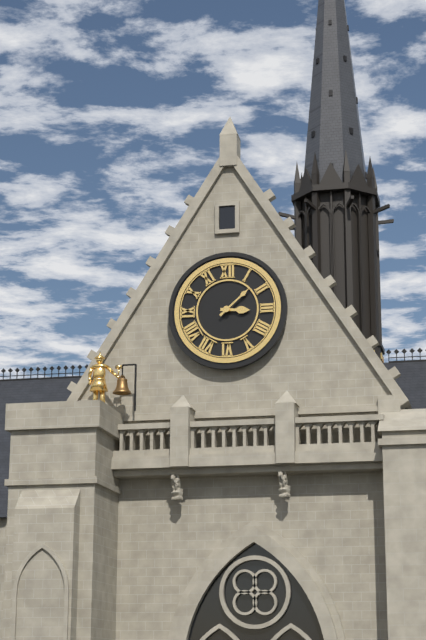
3:08
